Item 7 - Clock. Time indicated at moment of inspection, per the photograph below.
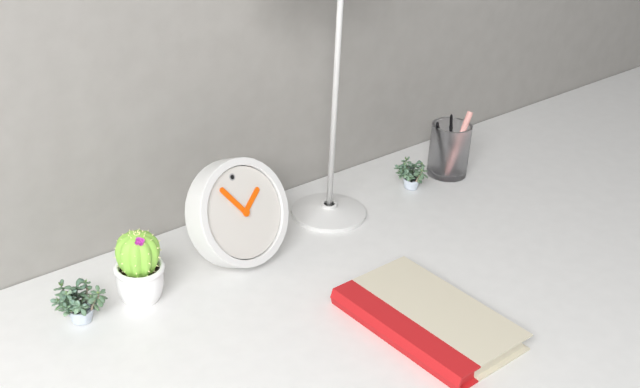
1:55
